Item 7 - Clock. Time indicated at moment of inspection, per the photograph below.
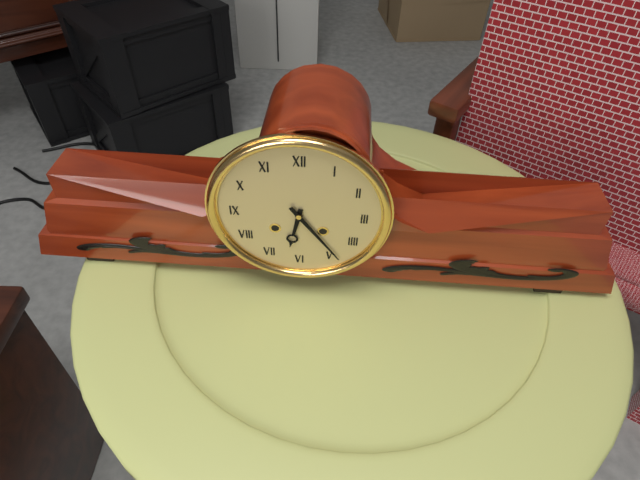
6:24
